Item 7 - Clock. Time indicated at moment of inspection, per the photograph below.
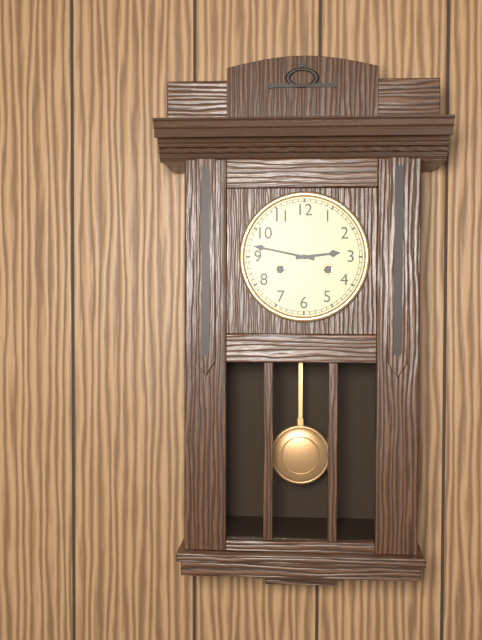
2:47
